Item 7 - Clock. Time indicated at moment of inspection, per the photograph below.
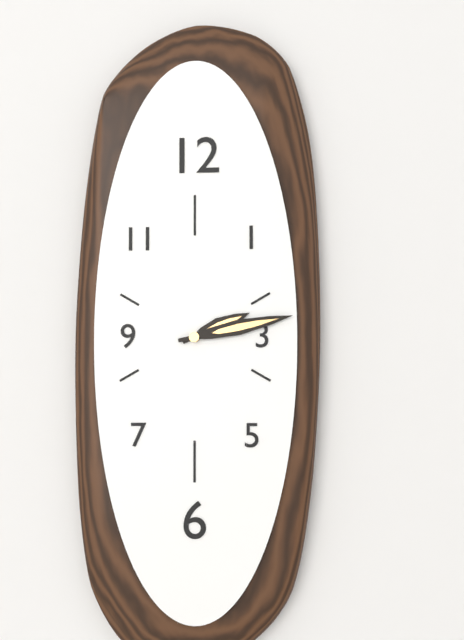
2:13
